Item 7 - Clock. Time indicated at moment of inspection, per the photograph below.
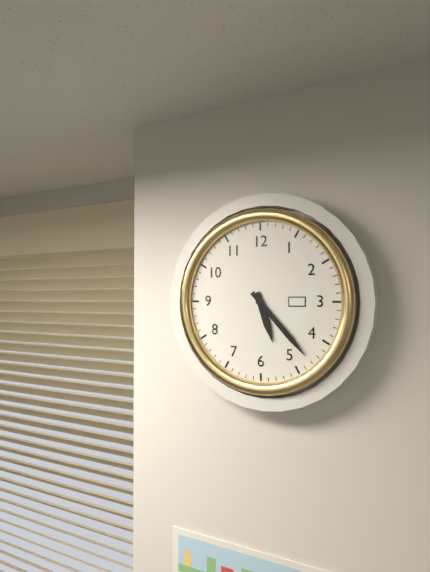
5:23
